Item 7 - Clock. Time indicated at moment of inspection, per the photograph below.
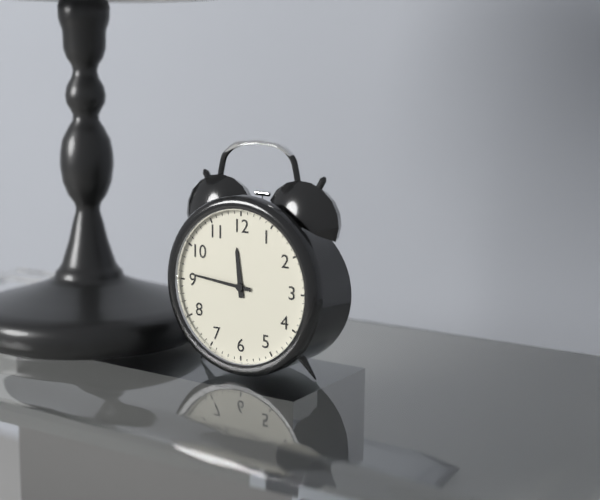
11:46
